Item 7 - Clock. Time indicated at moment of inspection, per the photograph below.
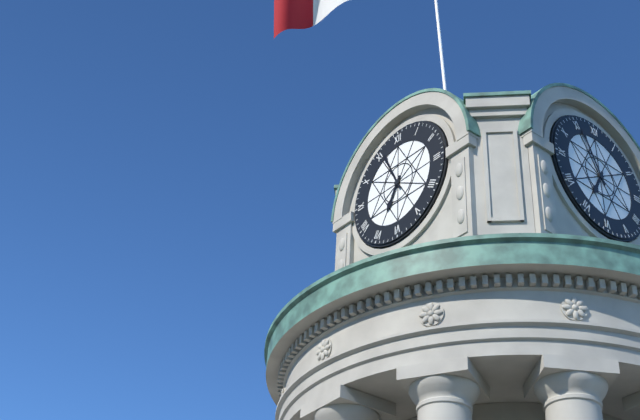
6:56
